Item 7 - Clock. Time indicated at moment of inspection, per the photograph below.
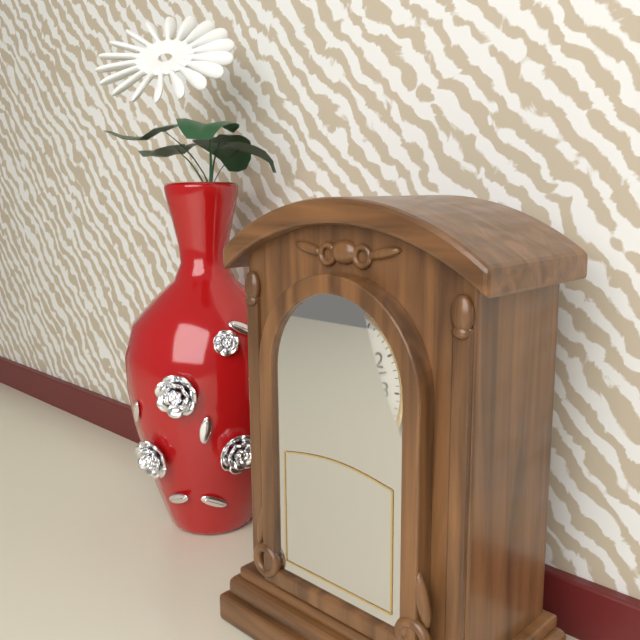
2:12
